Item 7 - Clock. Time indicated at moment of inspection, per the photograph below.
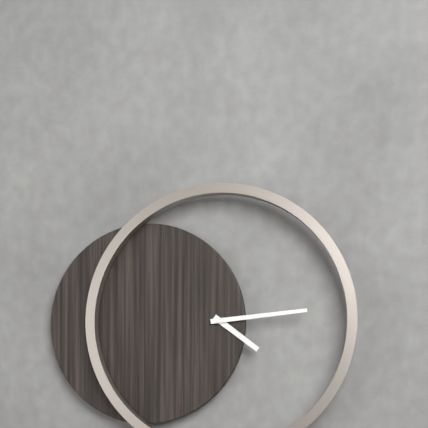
4:14
